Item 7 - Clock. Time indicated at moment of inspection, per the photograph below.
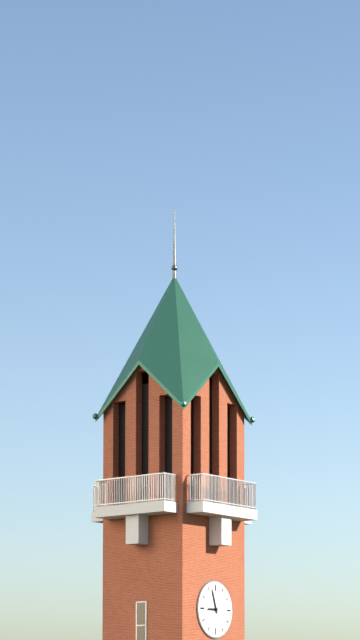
8:57
